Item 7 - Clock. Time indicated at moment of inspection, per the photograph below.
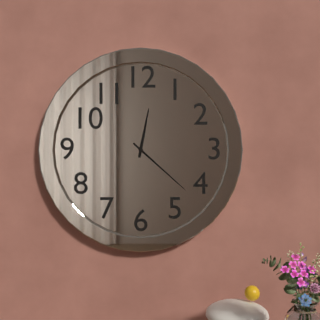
12:22
